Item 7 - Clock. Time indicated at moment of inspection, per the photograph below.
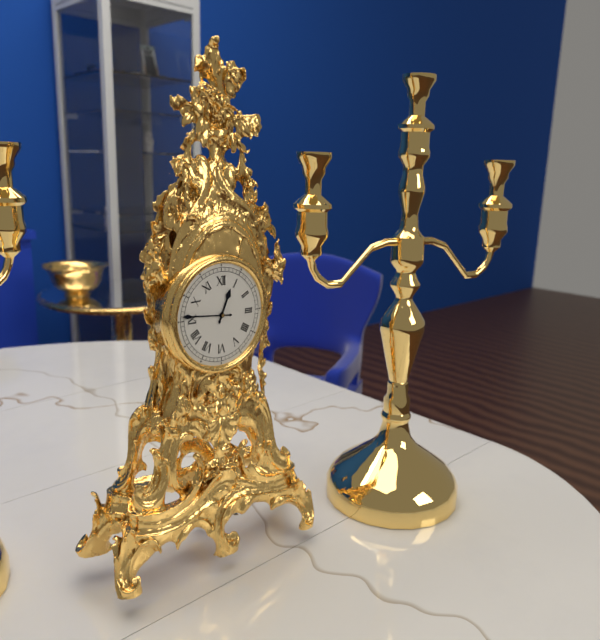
12:46
